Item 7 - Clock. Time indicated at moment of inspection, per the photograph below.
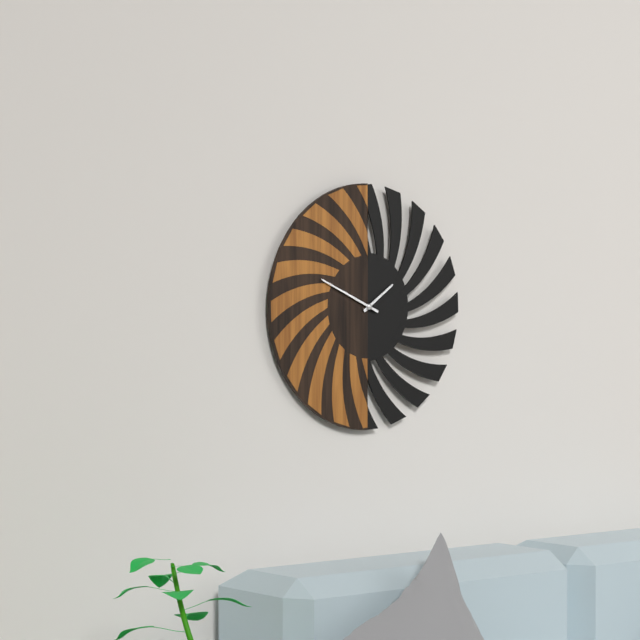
1:49
